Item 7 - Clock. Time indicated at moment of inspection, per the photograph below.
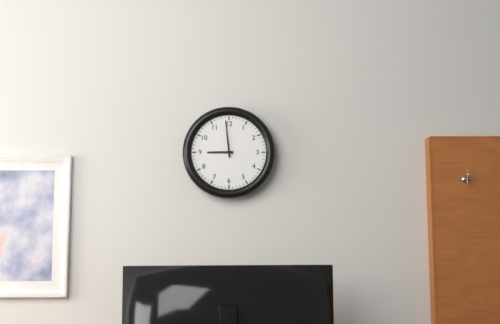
8:59
